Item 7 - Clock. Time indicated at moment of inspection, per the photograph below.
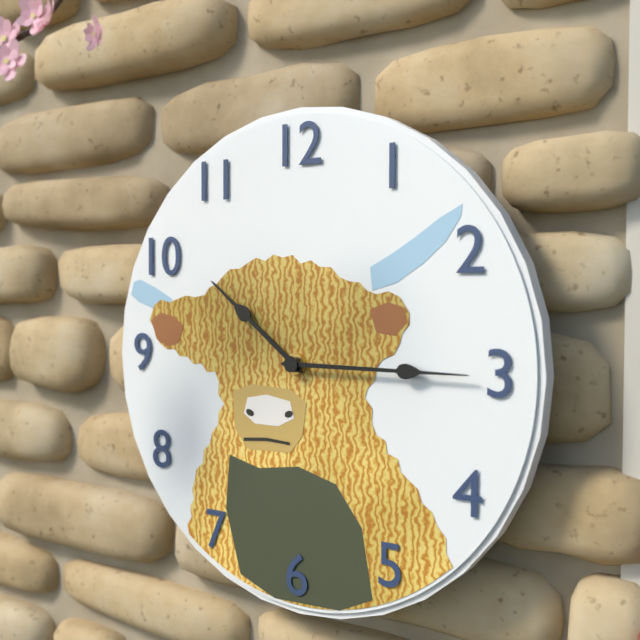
10:15
